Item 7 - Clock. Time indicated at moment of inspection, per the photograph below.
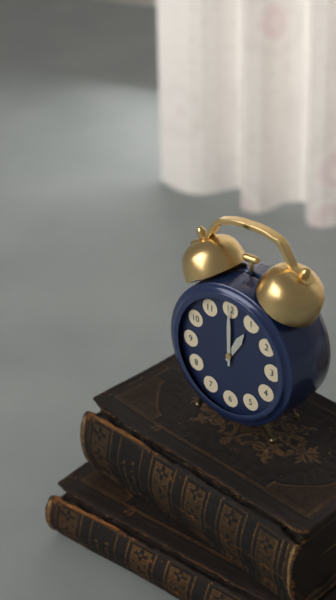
1:00
